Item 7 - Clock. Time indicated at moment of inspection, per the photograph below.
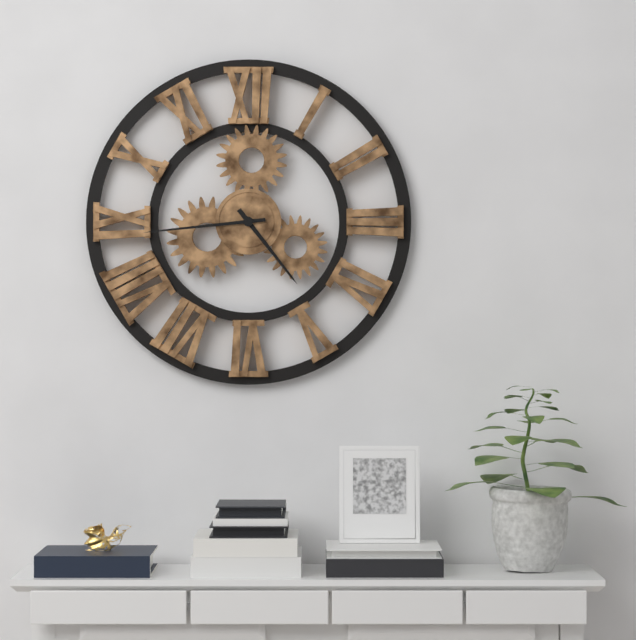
4:44
